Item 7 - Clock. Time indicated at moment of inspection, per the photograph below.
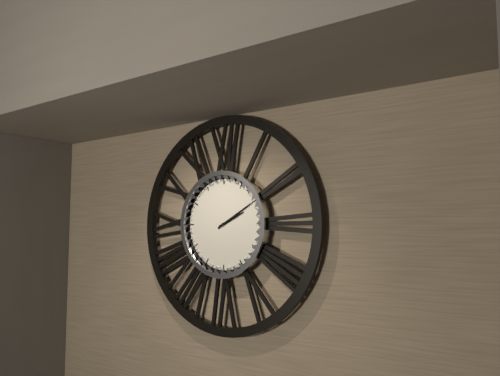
2:10
